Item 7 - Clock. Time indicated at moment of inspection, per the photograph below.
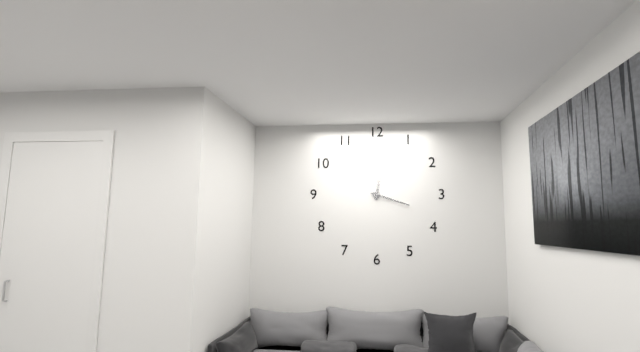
12:18
